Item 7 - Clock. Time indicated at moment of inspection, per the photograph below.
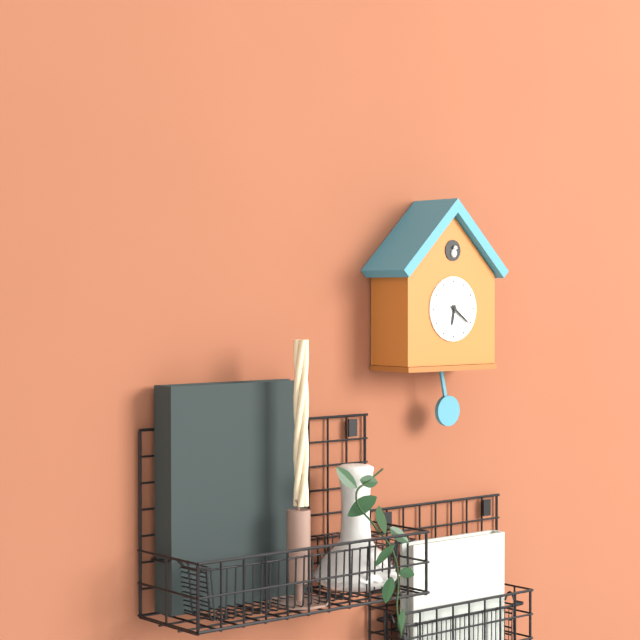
6:21
